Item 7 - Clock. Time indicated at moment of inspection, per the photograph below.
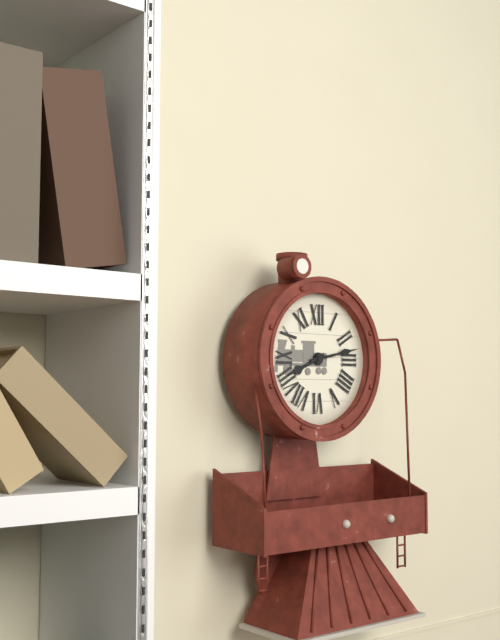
8:13
